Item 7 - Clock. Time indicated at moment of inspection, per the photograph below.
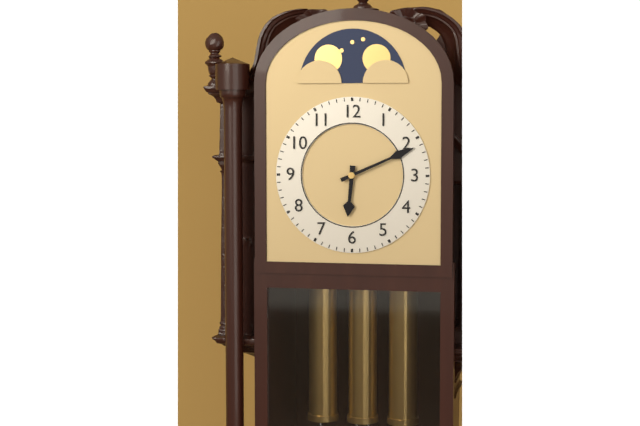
6:11
